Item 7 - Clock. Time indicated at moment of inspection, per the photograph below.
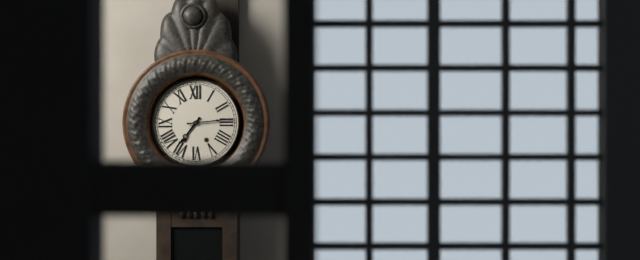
7:14
